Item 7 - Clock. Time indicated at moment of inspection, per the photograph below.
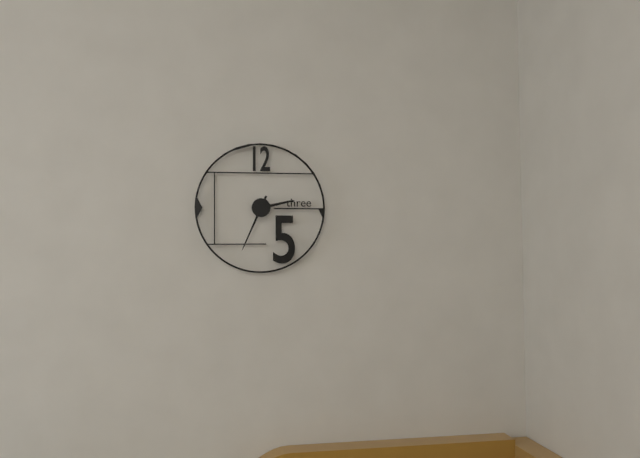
2:34
